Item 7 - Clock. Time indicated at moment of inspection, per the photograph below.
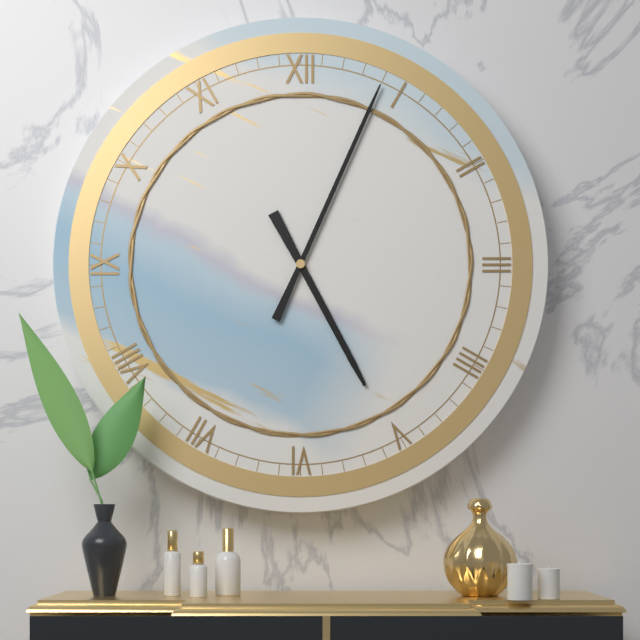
5:04
